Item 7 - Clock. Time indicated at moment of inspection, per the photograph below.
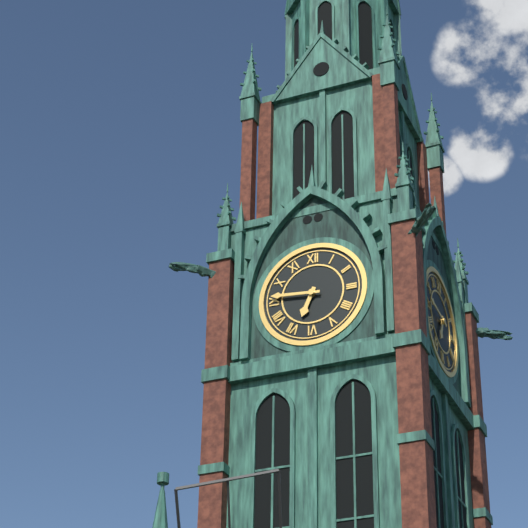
6:46
